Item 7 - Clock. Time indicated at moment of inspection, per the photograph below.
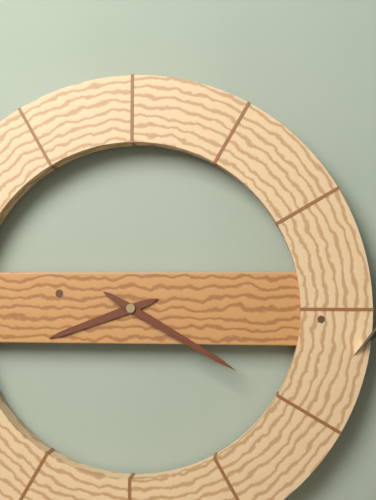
8:20
